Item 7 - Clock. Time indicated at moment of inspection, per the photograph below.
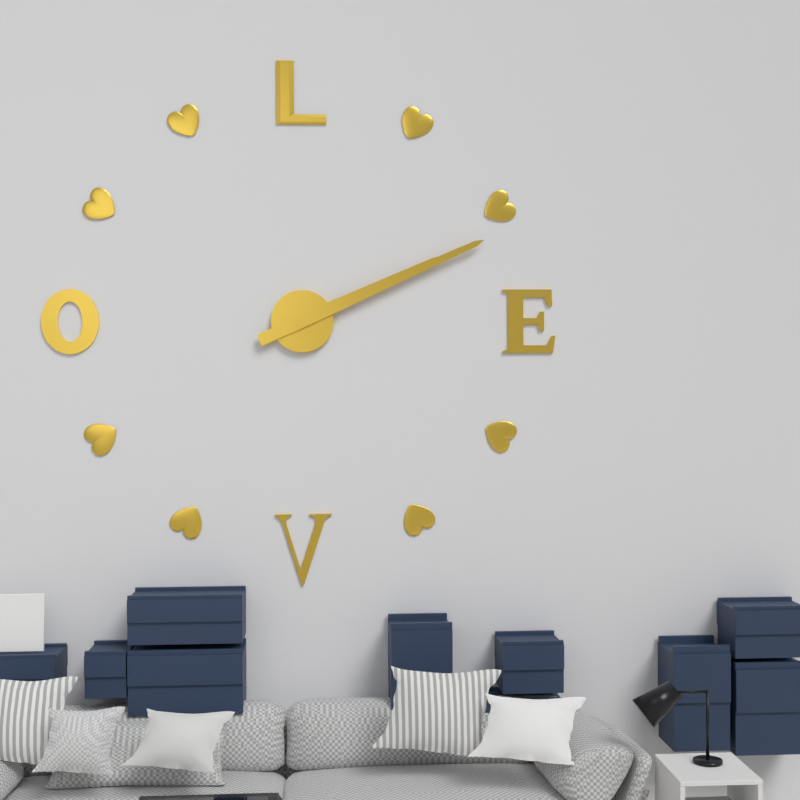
2:11
